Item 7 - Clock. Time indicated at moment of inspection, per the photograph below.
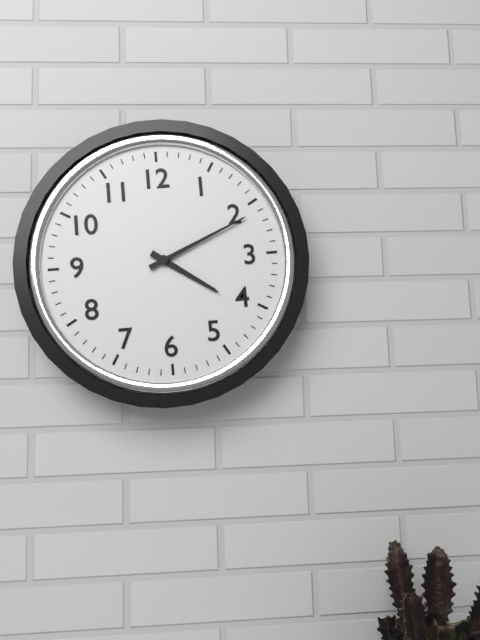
4:11
